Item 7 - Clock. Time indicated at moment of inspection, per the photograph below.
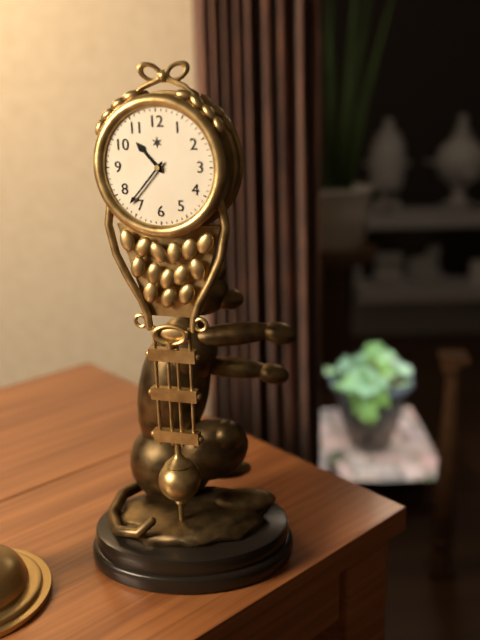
10:37
